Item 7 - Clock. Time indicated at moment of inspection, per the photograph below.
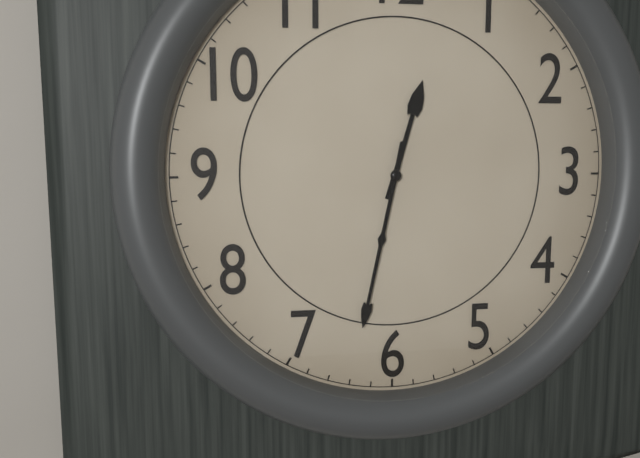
12:32
